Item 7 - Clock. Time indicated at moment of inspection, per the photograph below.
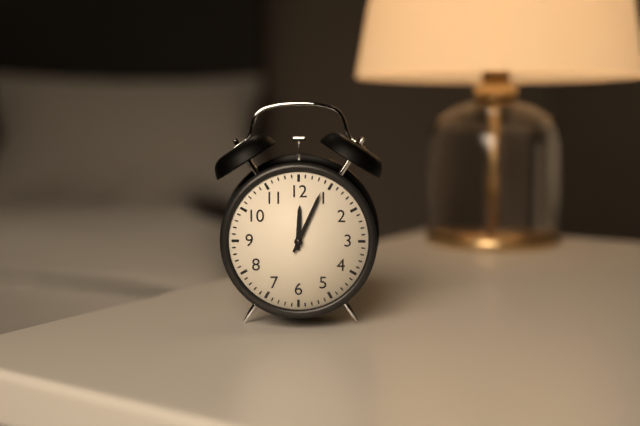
12:04
